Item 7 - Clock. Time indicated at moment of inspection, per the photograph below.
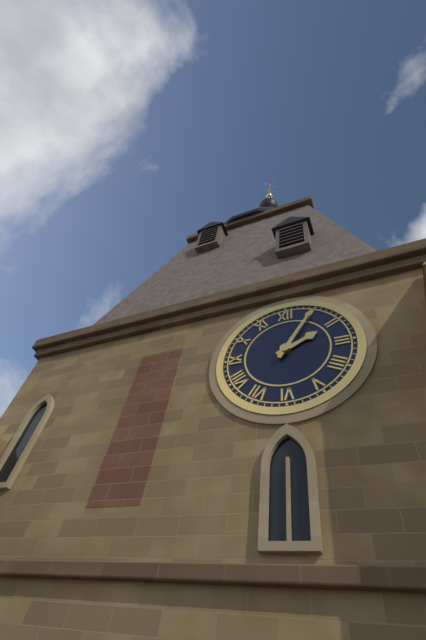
2:05
